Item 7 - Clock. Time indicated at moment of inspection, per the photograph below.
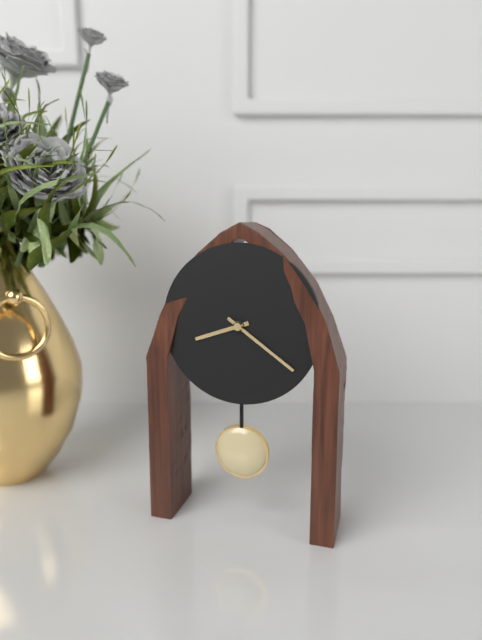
8:21
